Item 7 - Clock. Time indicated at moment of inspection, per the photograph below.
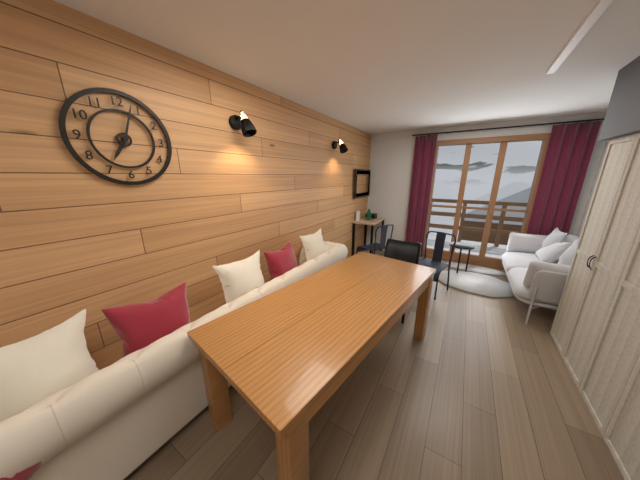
7:03
